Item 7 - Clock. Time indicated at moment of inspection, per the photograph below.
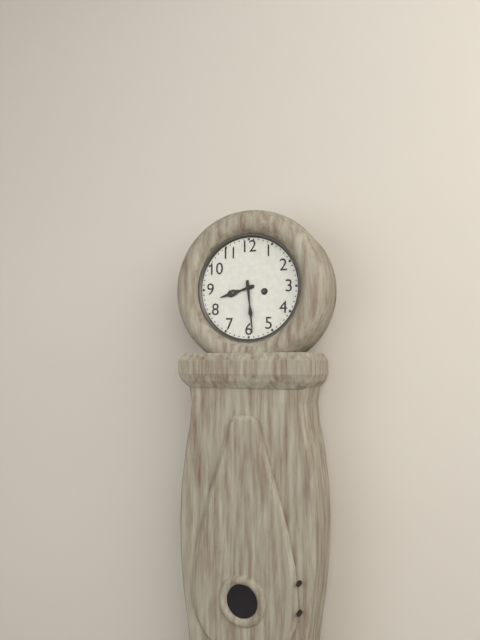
8:29
